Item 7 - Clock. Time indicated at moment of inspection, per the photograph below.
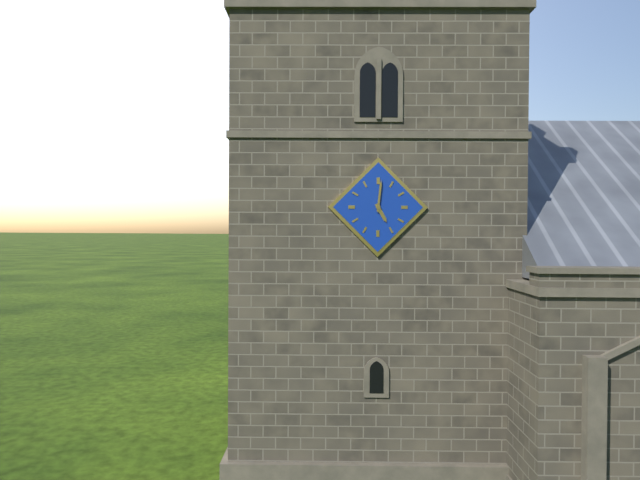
5:01
